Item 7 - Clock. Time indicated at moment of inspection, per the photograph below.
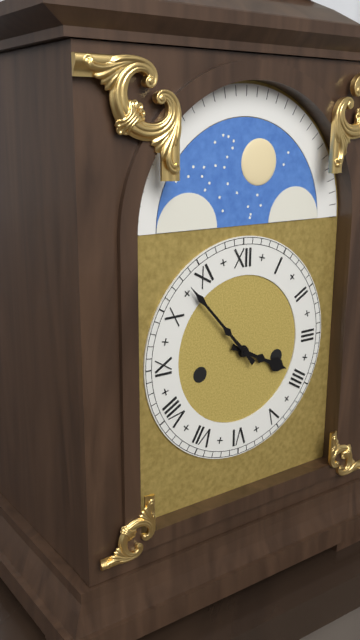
3:53
